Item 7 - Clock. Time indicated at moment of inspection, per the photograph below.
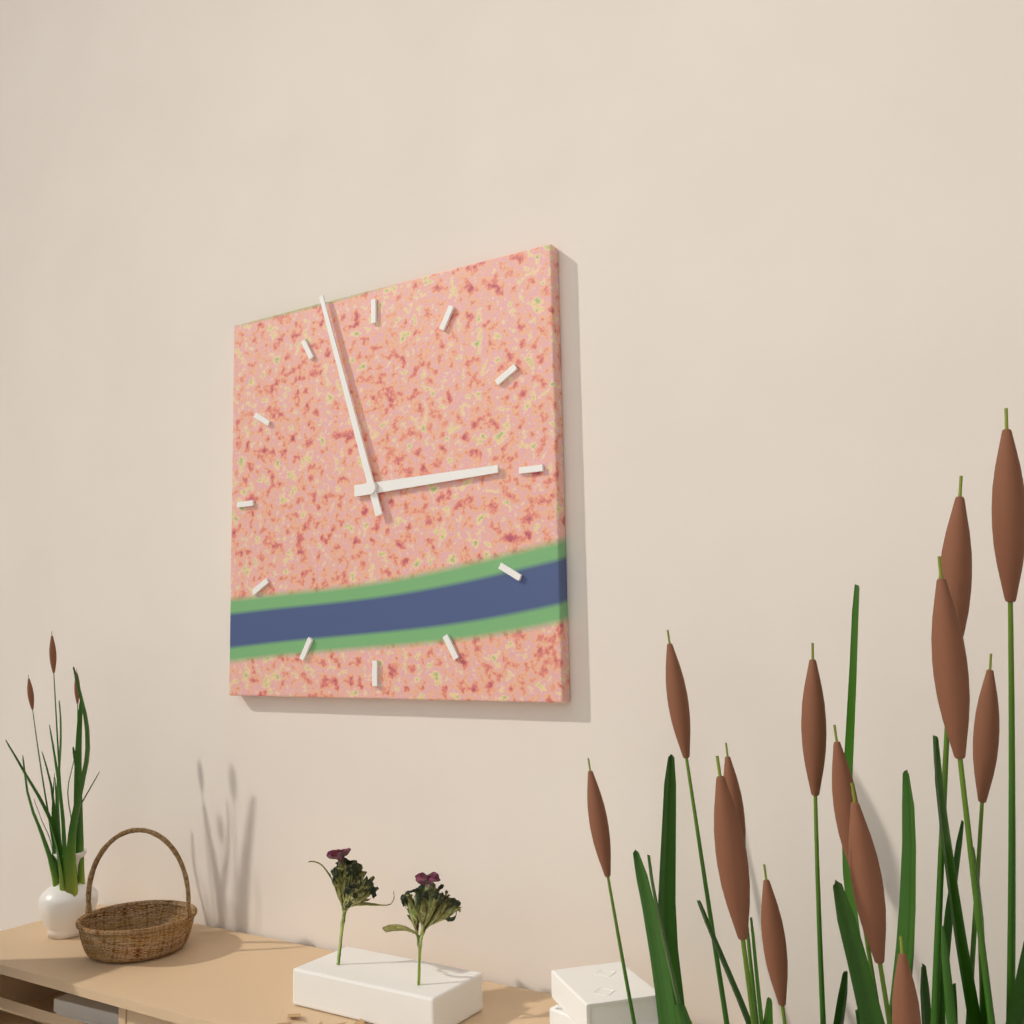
2:57
